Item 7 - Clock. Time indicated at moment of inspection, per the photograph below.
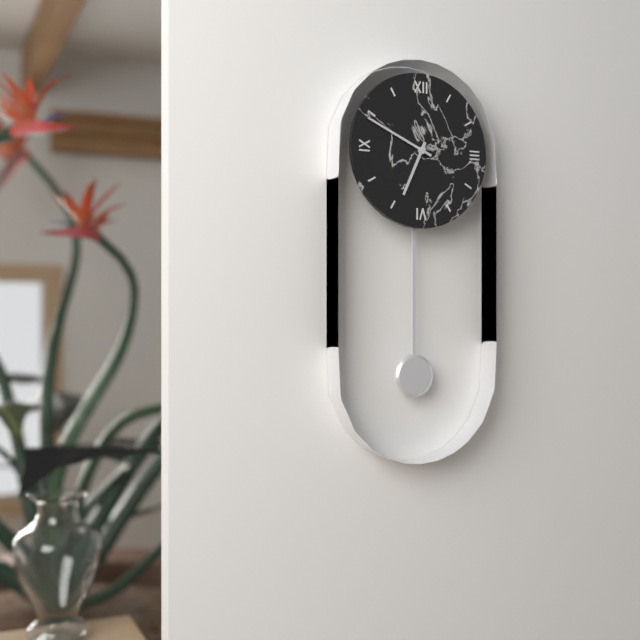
6:49
